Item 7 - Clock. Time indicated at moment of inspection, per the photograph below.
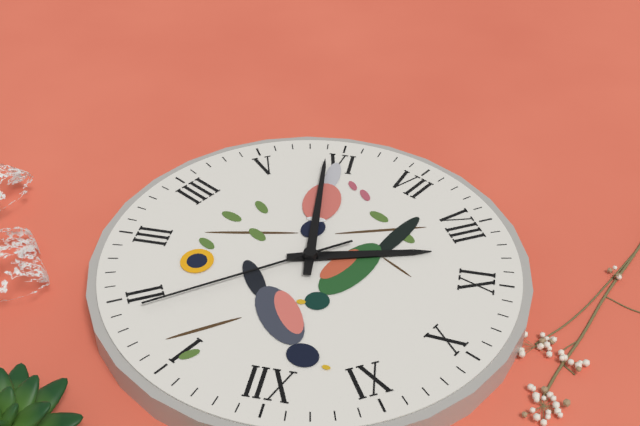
8:29:09
